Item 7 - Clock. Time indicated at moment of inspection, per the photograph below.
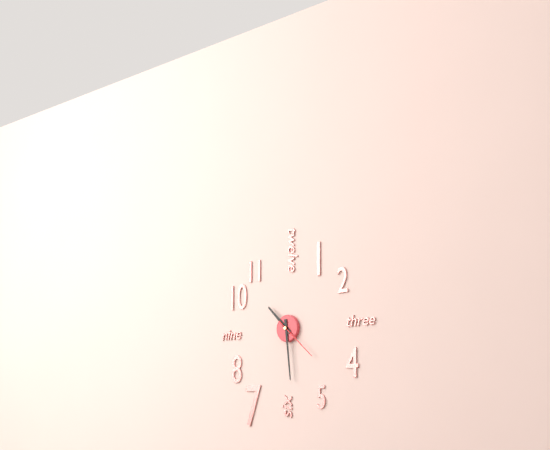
10:29
